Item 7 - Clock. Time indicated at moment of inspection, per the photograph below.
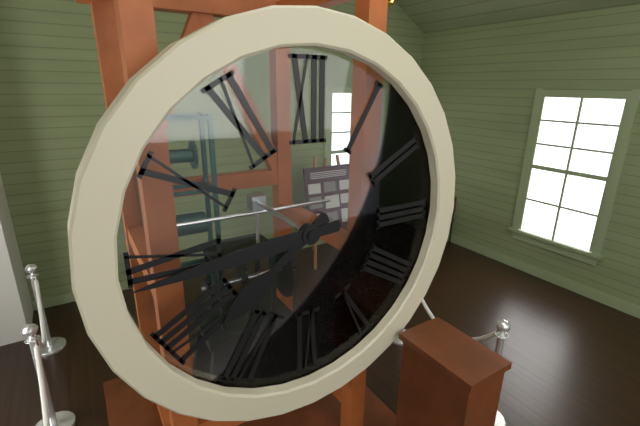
7:44
